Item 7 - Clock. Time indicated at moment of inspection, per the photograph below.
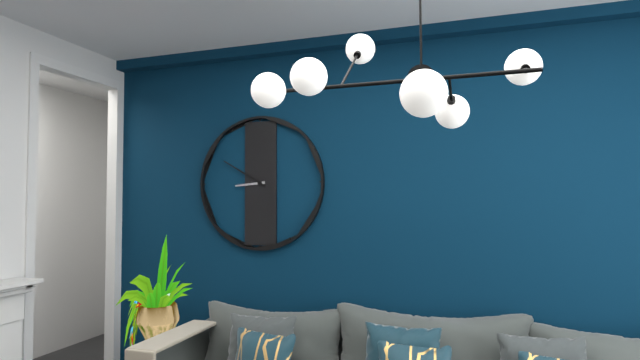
8:50
